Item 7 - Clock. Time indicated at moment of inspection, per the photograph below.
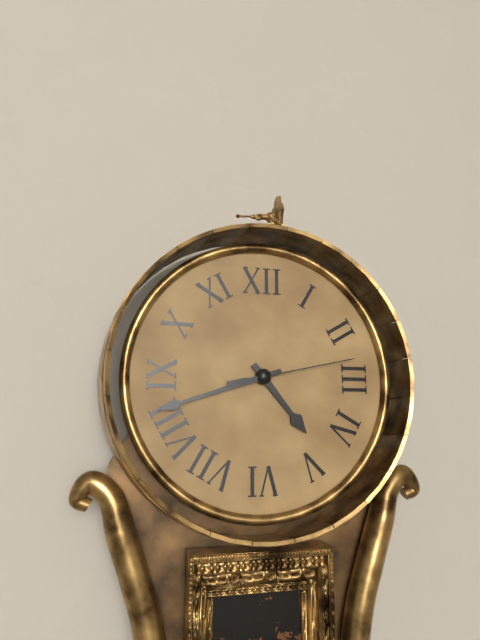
4:42:13
